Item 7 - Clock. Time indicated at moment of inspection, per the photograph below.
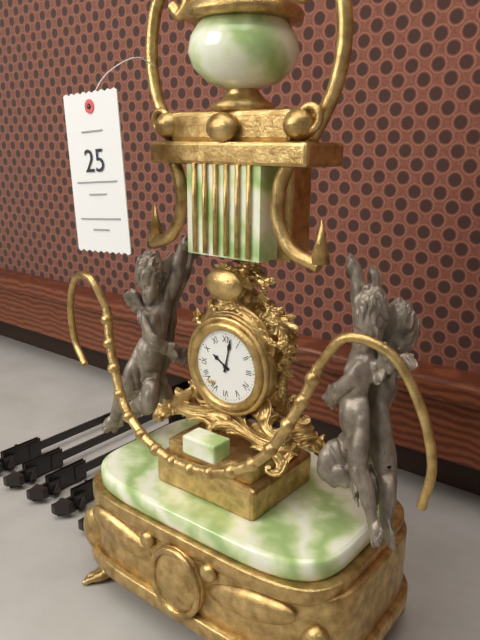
10:02
